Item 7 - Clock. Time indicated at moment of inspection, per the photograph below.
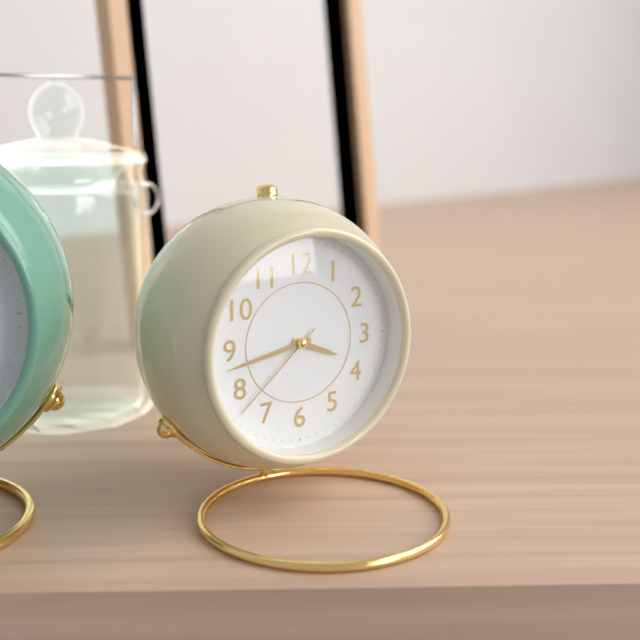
3:43:38
